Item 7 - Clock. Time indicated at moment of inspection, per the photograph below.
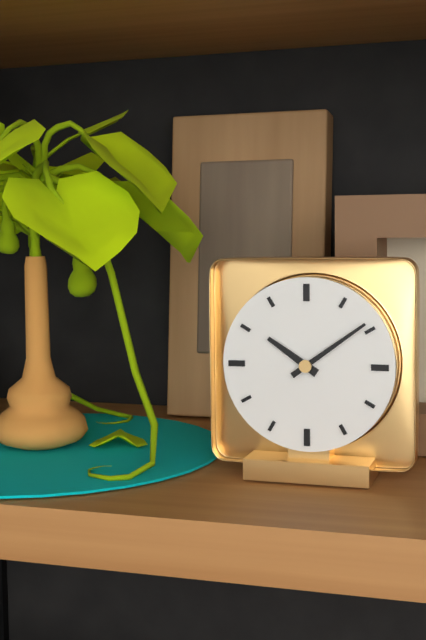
10:09
